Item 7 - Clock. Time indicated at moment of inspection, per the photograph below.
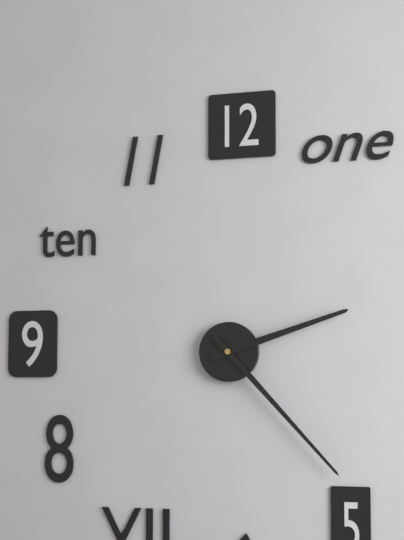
2:23
